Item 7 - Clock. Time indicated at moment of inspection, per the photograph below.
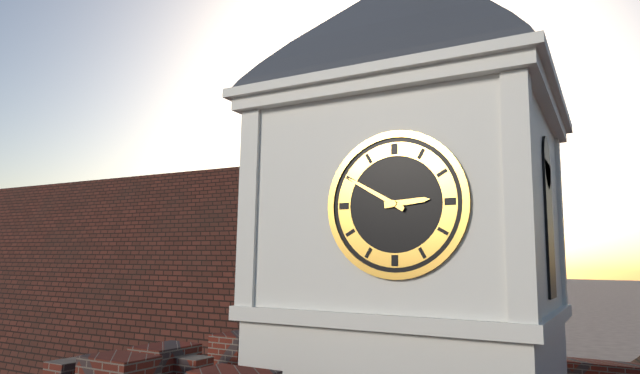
2:50
